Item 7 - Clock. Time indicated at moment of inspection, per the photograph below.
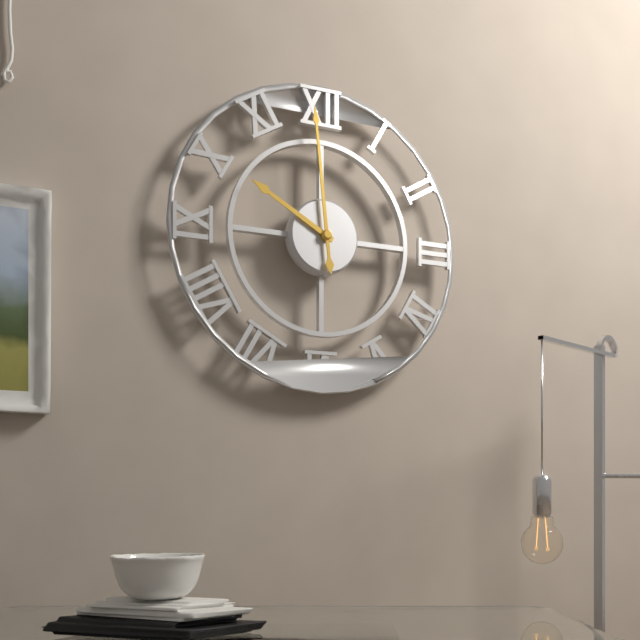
9:59
